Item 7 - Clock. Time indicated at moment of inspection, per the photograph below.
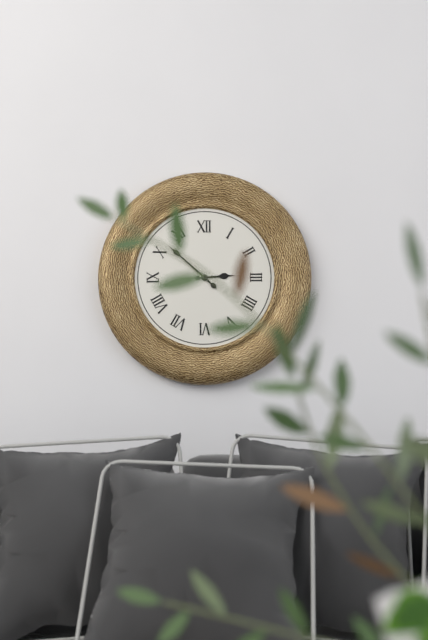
2:52
